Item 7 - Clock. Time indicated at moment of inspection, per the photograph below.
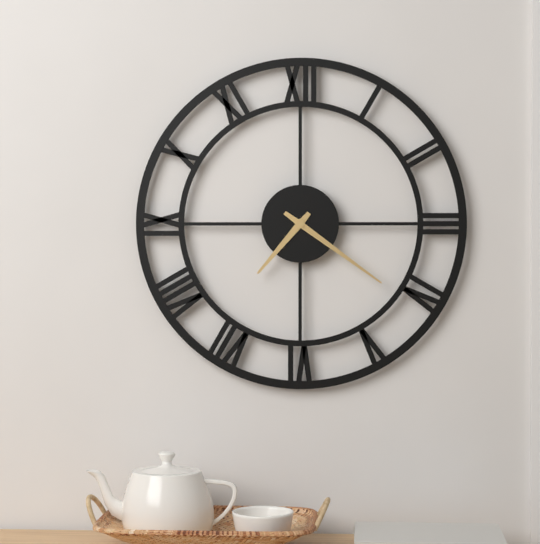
7:21
